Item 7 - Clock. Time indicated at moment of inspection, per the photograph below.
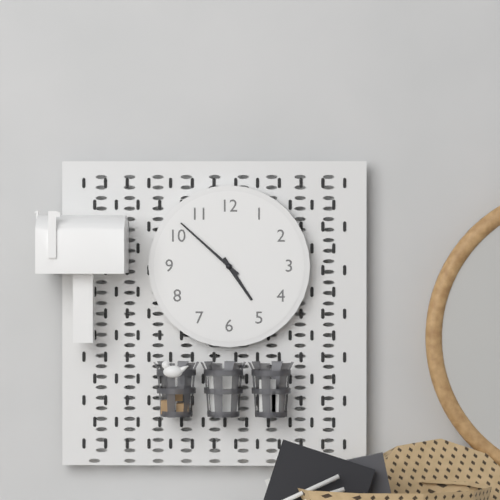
4:52
